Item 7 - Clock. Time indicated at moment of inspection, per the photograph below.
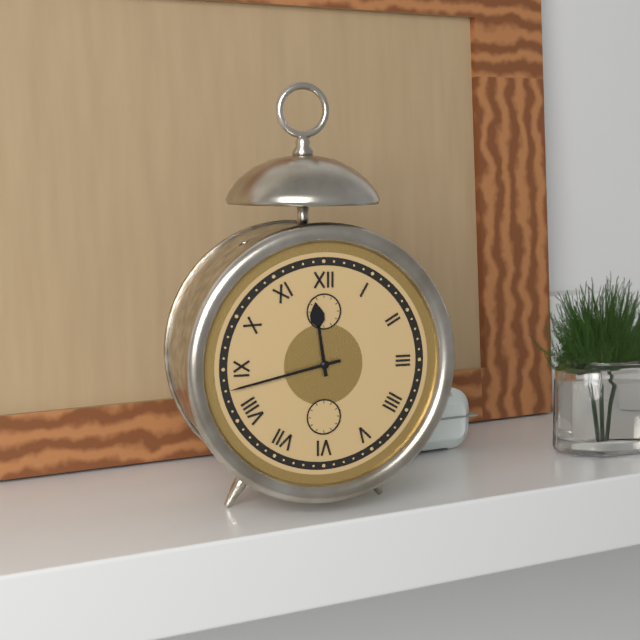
11:43
